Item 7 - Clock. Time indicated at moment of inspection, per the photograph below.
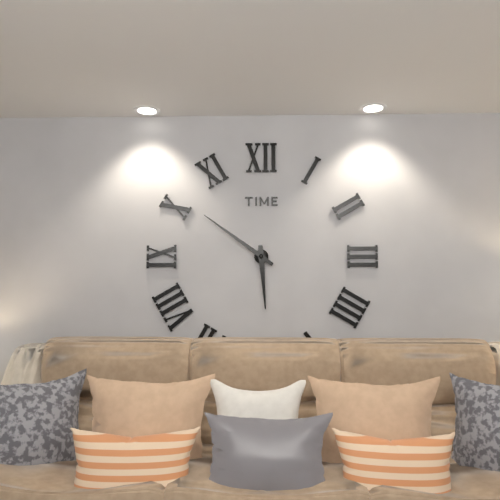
5:51
